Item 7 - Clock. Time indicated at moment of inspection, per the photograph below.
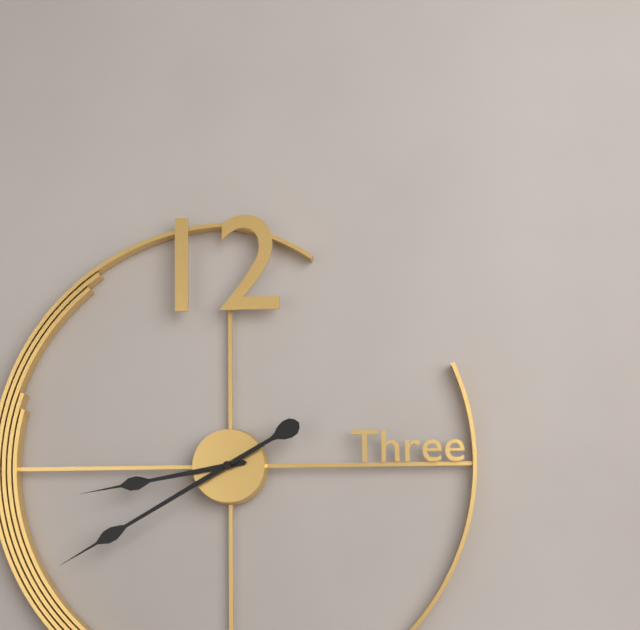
8:40
